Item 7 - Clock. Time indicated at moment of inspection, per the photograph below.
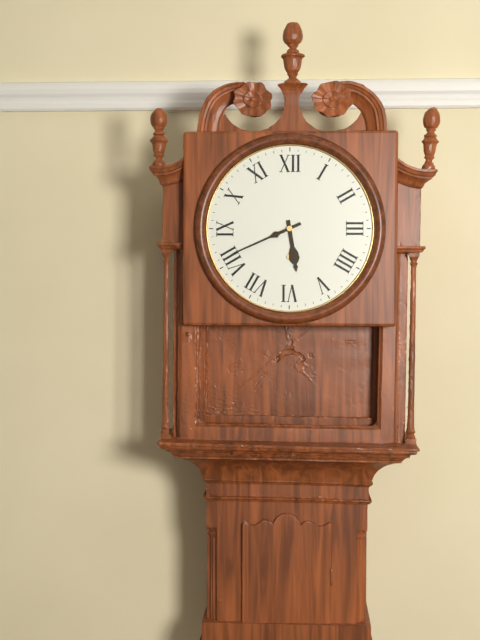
5:41
